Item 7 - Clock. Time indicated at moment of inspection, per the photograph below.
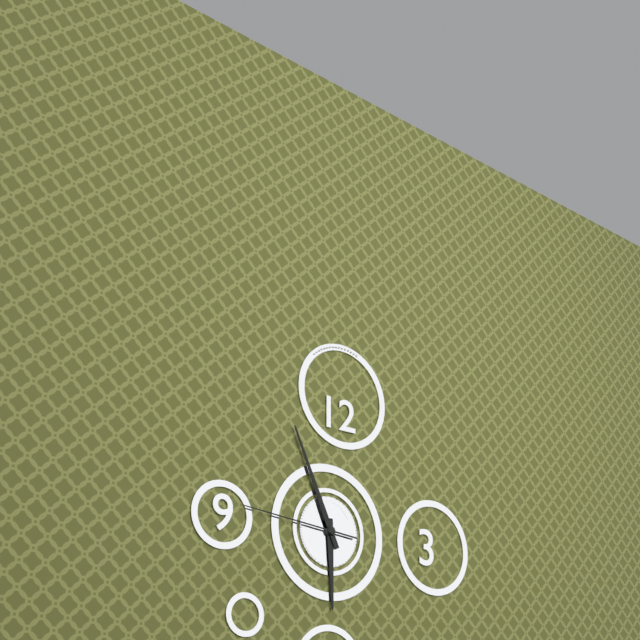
5:56:46
